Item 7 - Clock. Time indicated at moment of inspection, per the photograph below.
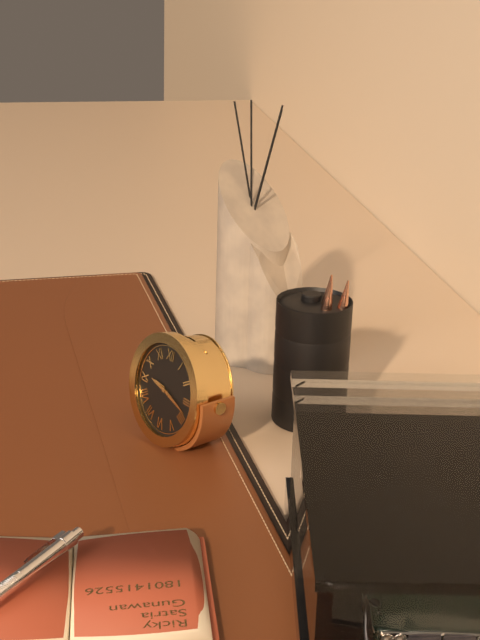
9:18
